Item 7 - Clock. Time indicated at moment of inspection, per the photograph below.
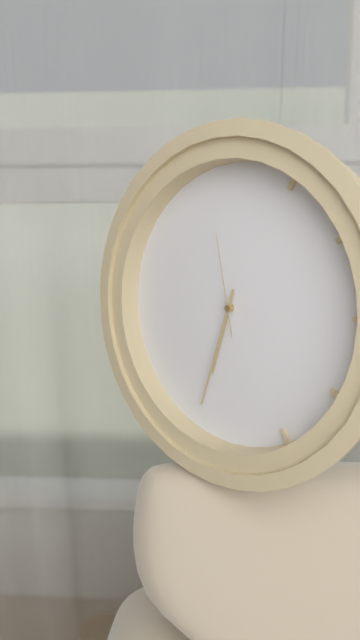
6:33:58
